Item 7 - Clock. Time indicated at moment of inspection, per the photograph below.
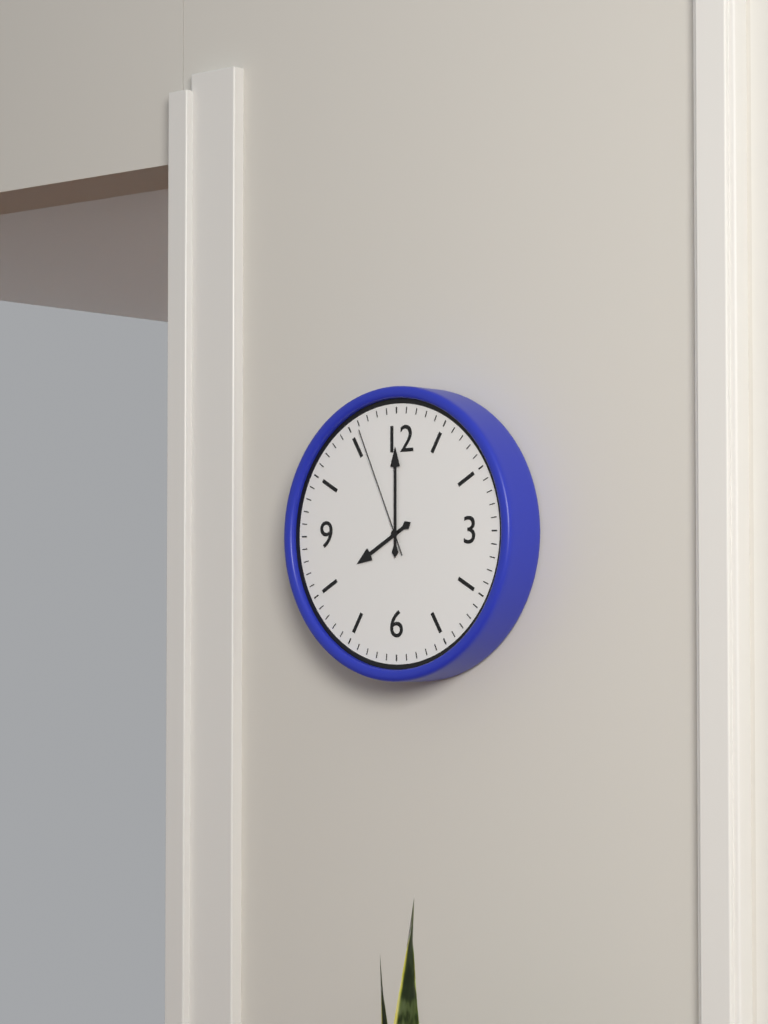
8:00:56
